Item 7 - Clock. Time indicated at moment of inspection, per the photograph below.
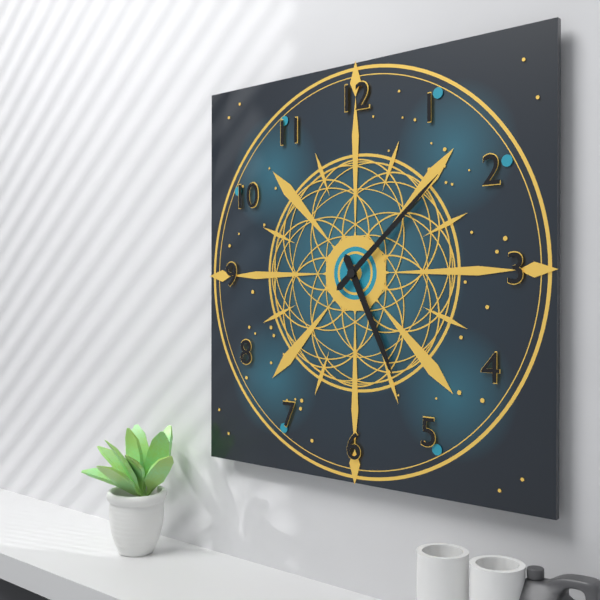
5:08
